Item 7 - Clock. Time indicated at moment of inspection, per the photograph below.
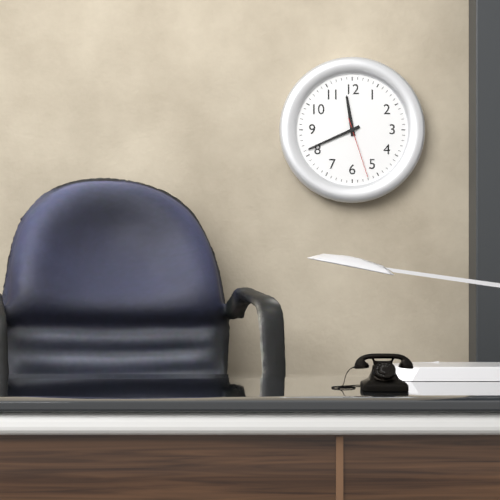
11:41:27
